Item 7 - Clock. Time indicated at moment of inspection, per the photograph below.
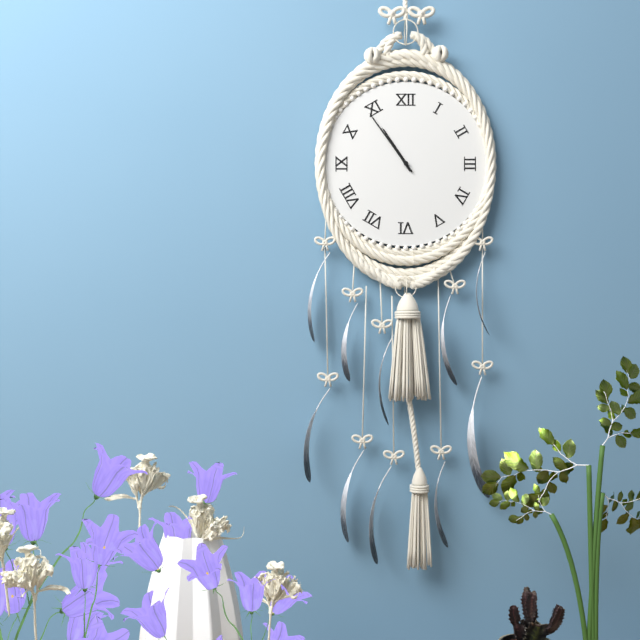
10:54
